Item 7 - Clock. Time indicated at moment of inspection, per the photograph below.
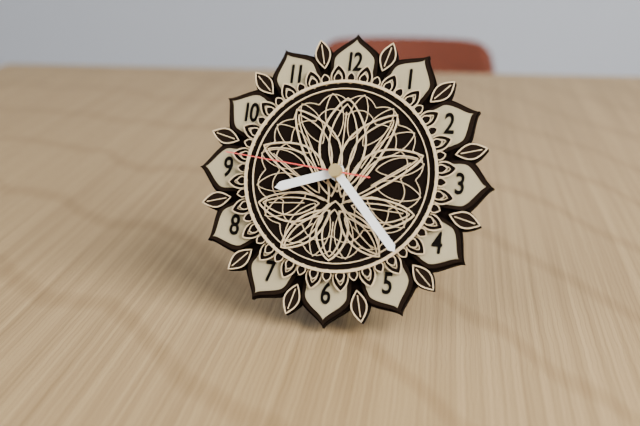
8:23:46
